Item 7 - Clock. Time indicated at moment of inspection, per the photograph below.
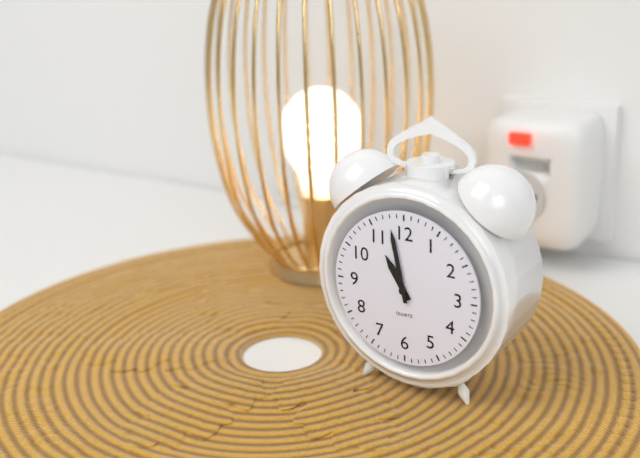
10:58
